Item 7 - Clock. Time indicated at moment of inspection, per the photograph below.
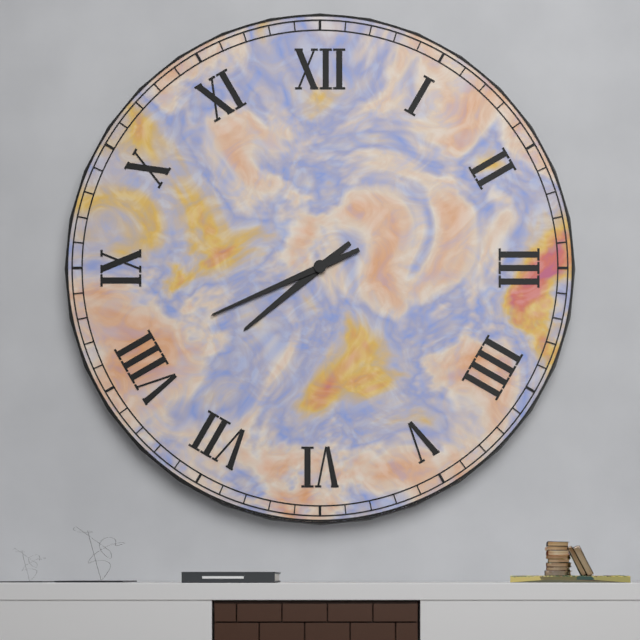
7:41
